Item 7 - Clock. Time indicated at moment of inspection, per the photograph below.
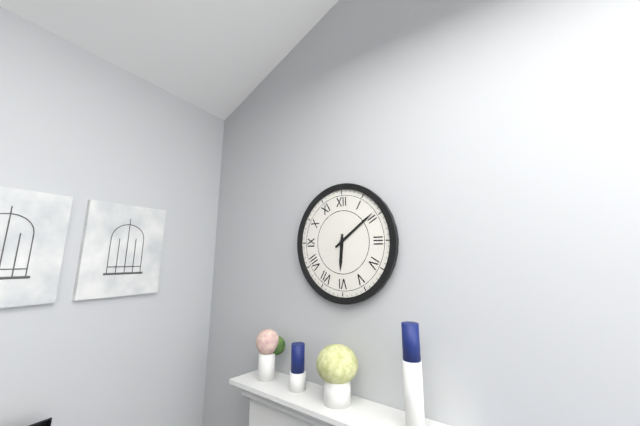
6:09
